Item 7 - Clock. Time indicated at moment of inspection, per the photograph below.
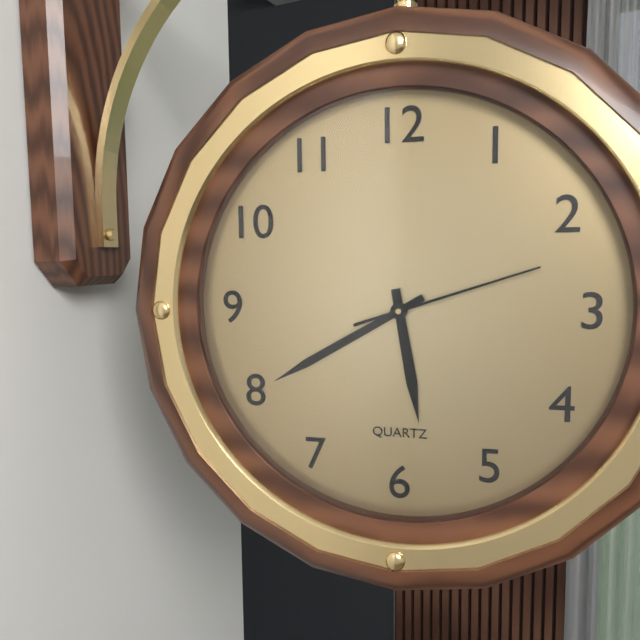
5:40:12
